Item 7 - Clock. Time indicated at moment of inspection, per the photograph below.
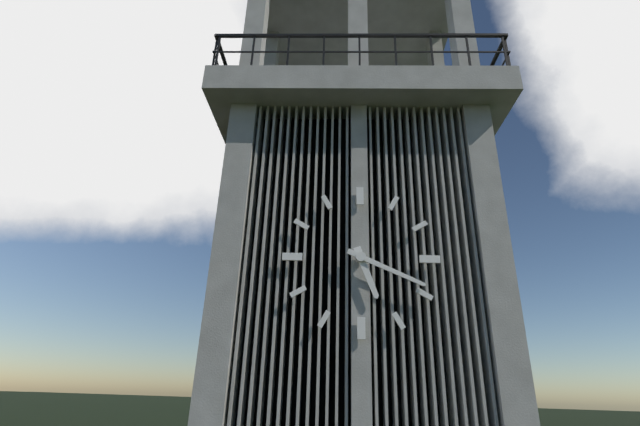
5:19
